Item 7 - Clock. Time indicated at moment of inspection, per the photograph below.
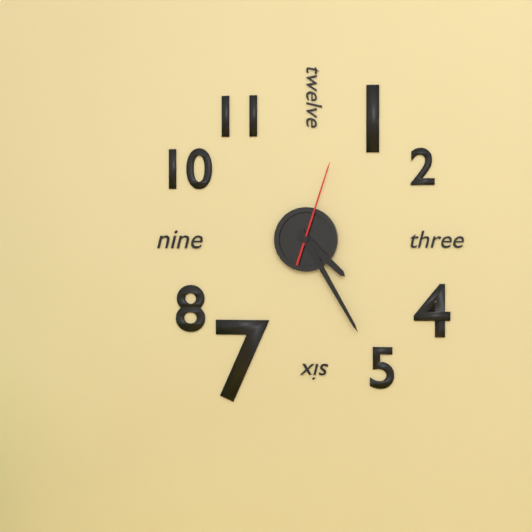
4:25:03
